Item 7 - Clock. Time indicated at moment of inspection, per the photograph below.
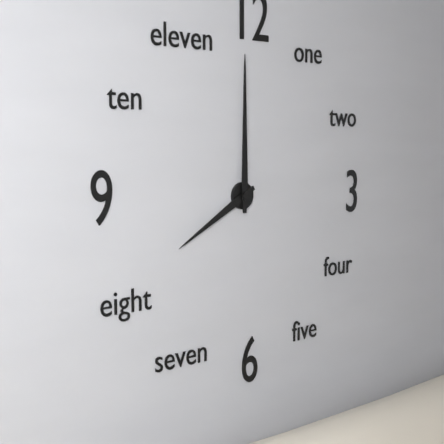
8:00
